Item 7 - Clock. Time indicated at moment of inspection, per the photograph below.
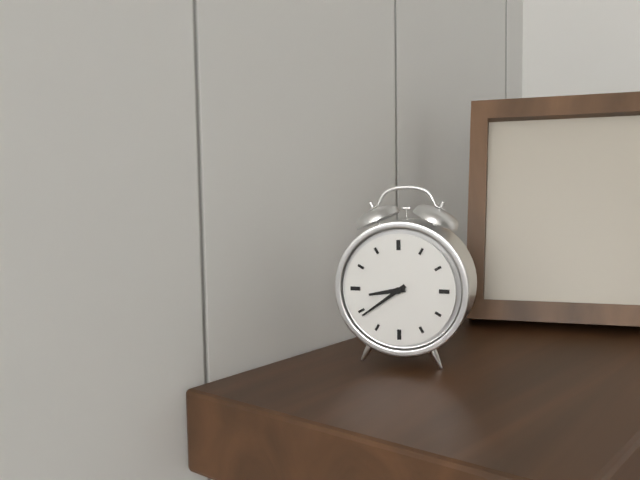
8:39
